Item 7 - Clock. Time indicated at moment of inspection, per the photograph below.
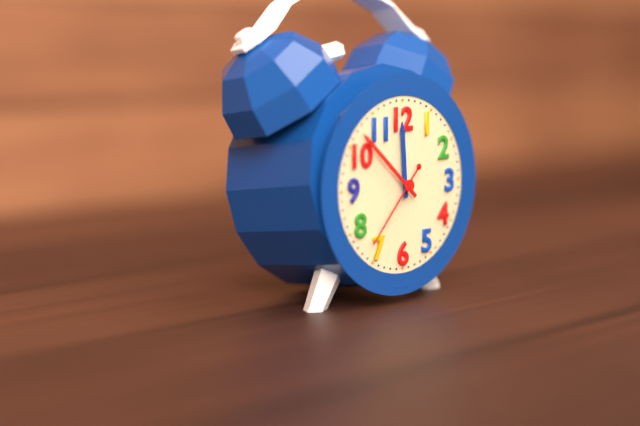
11:52:37
